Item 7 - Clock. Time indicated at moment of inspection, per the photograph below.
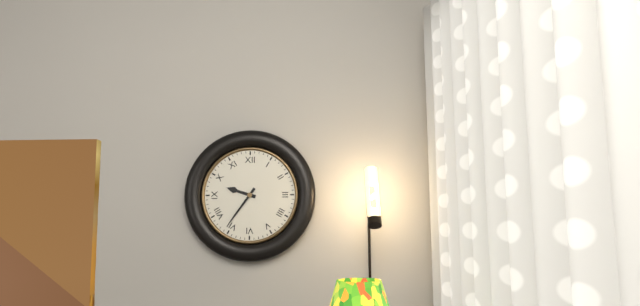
9:36
